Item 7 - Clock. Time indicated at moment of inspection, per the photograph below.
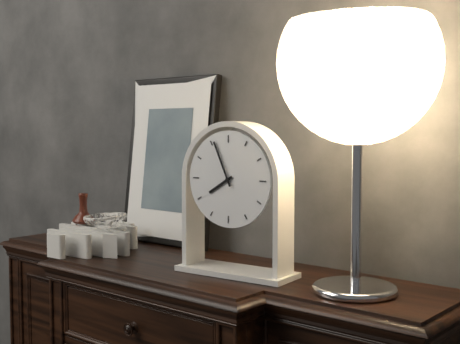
7:56
